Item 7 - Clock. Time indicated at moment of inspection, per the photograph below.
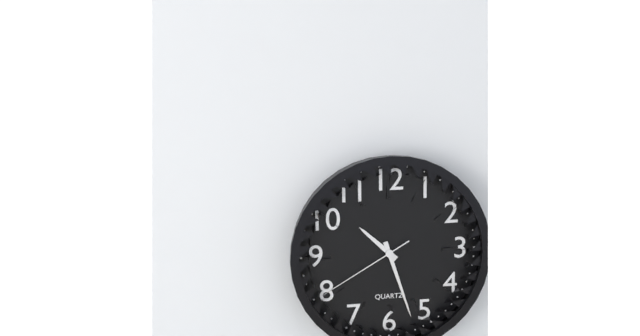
10:27:40
